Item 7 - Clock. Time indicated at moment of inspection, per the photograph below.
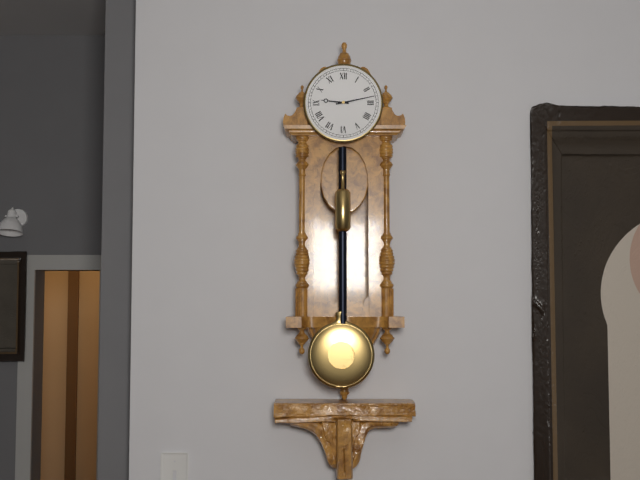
9:13
